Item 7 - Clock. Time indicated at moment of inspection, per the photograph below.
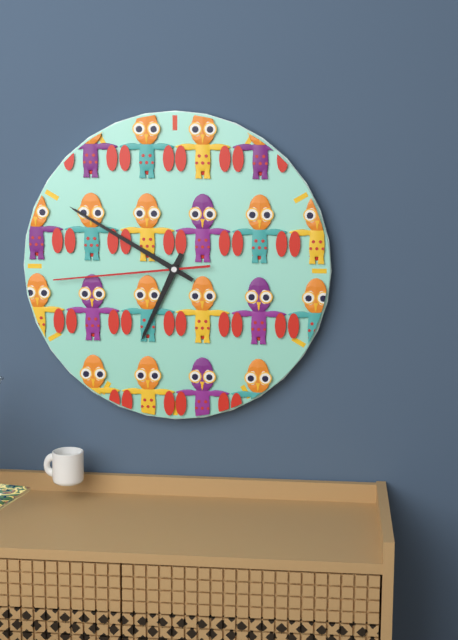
6:50:44
